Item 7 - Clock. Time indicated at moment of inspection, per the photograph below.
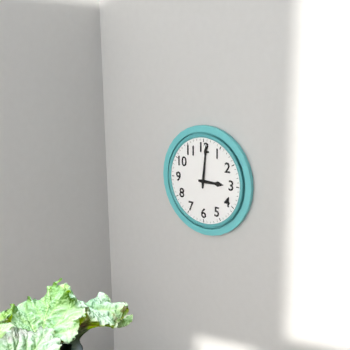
3:01
